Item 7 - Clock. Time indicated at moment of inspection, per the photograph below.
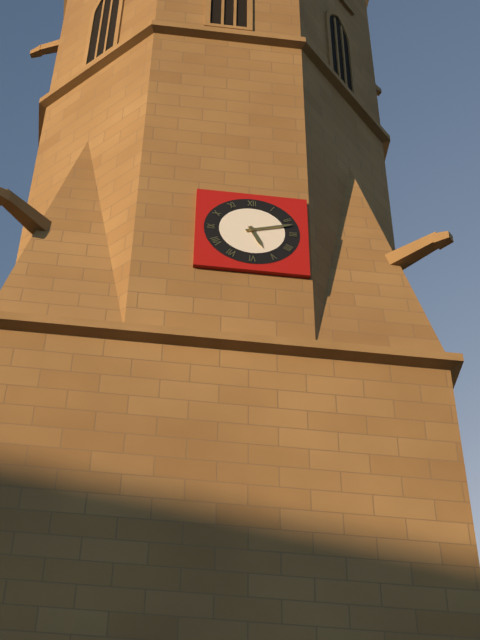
5:12
